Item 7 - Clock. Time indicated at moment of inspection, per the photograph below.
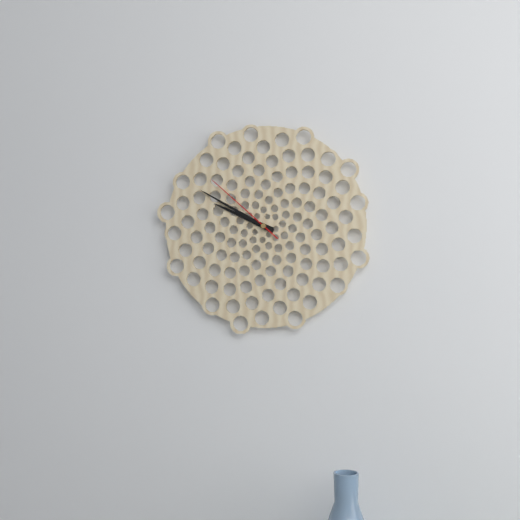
9:50:52
